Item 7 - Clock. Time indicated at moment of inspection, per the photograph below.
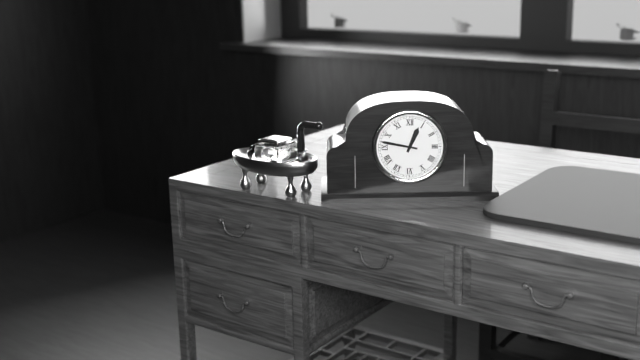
12:47
